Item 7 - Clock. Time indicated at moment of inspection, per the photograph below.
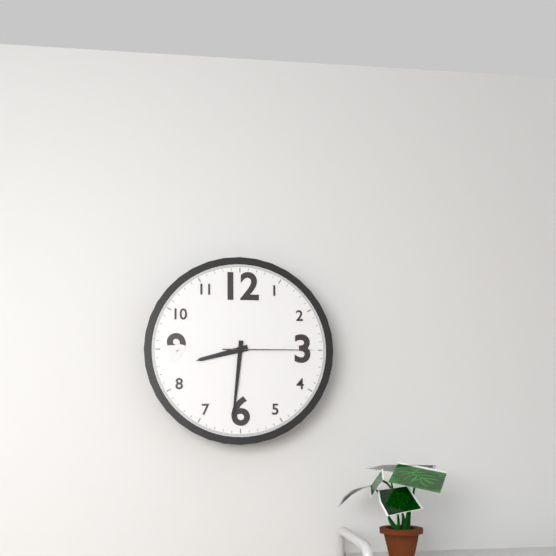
8:31:15
